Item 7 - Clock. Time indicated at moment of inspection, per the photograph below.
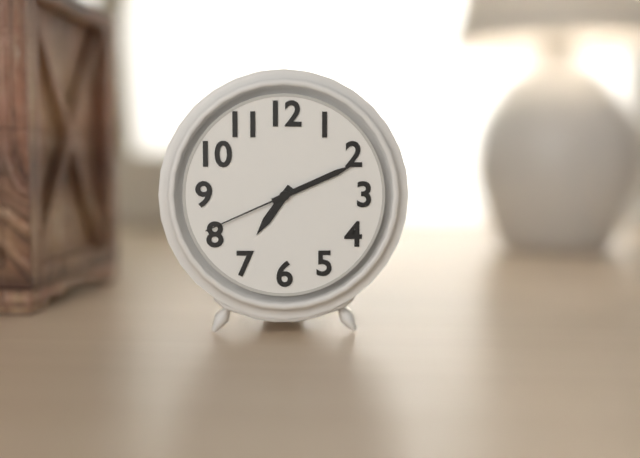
7:11:41
